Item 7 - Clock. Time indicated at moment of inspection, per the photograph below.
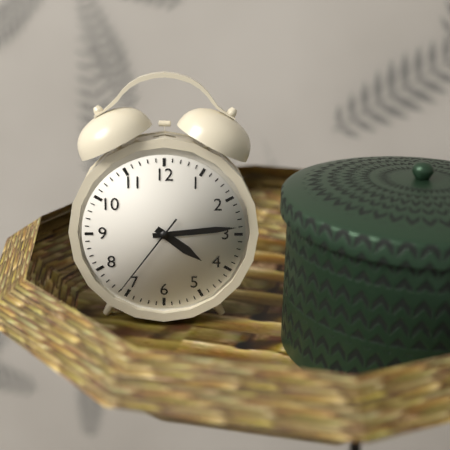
4:14:36
